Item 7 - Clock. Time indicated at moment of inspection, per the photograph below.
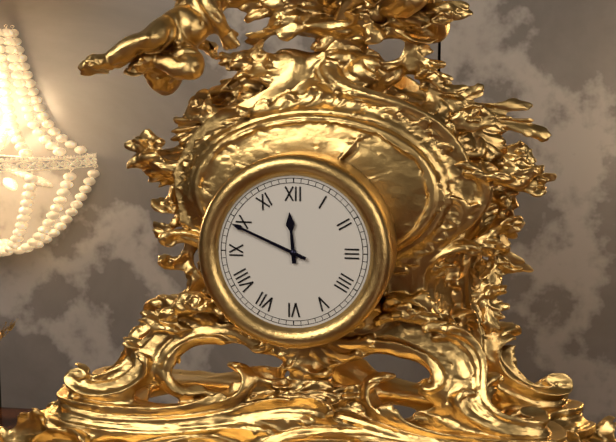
11:49
